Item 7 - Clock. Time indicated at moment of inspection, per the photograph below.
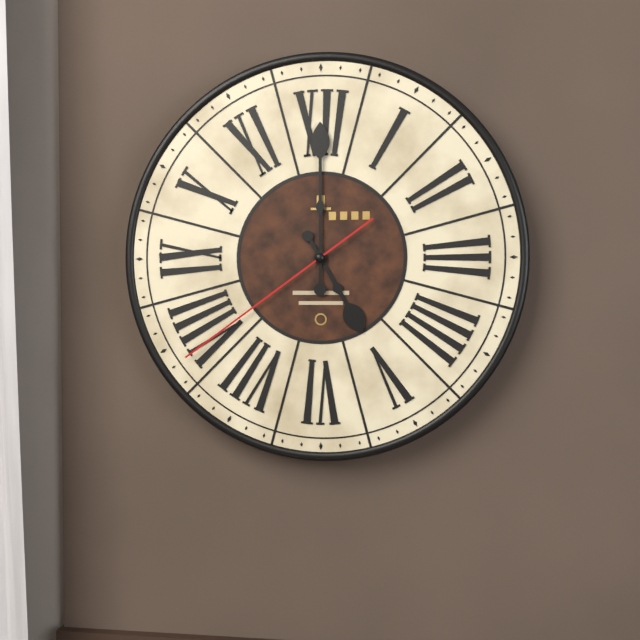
5:00:39
